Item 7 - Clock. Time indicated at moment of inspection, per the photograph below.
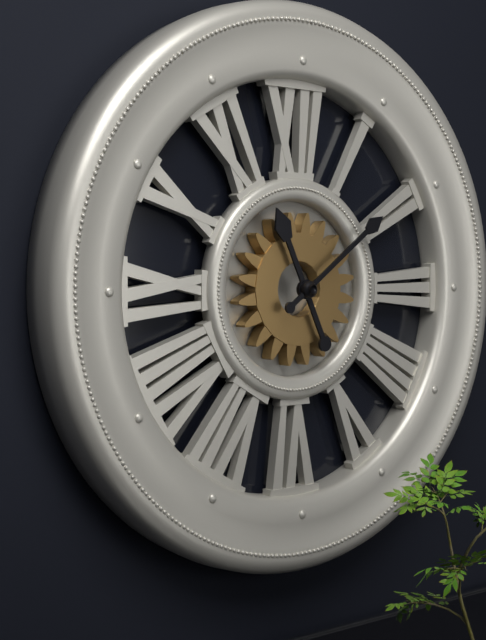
11:09
